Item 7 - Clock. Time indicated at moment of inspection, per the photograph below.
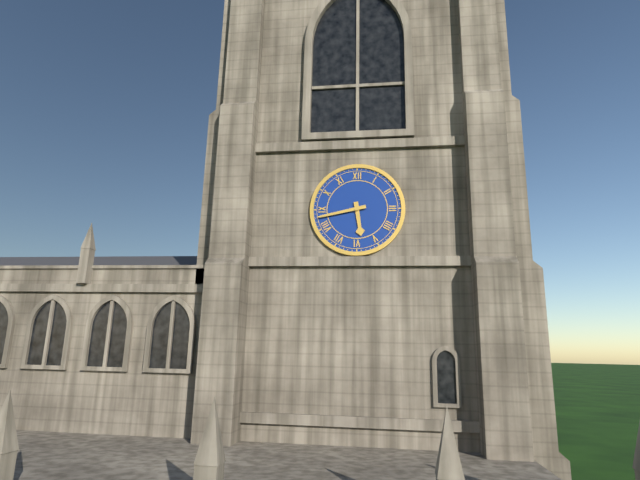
5:43
